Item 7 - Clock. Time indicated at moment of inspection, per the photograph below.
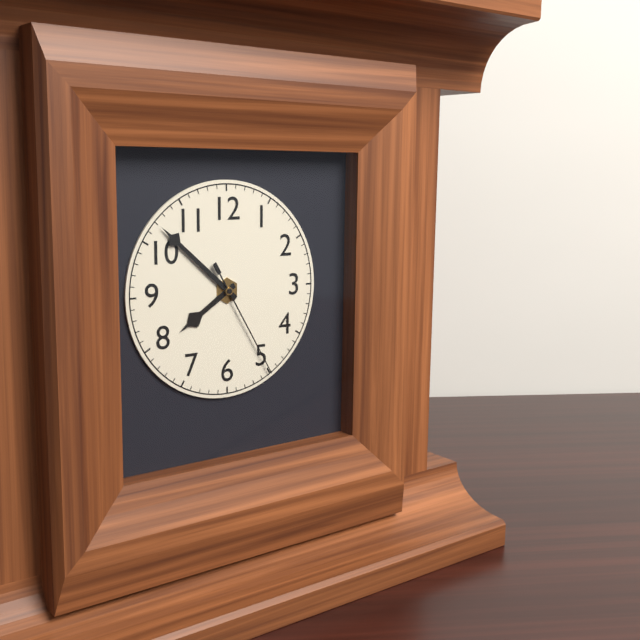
7:52:25
